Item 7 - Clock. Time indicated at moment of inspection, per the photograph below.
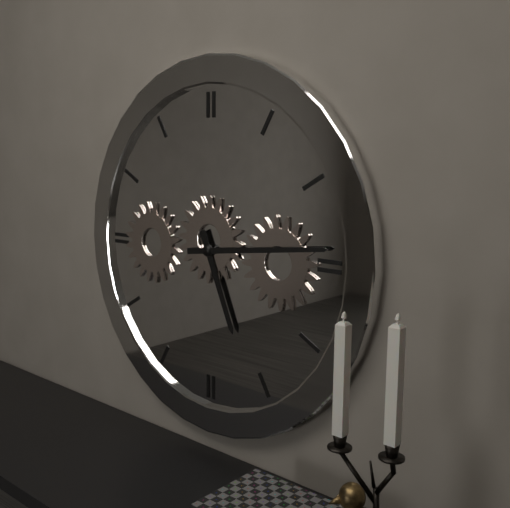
5:14
